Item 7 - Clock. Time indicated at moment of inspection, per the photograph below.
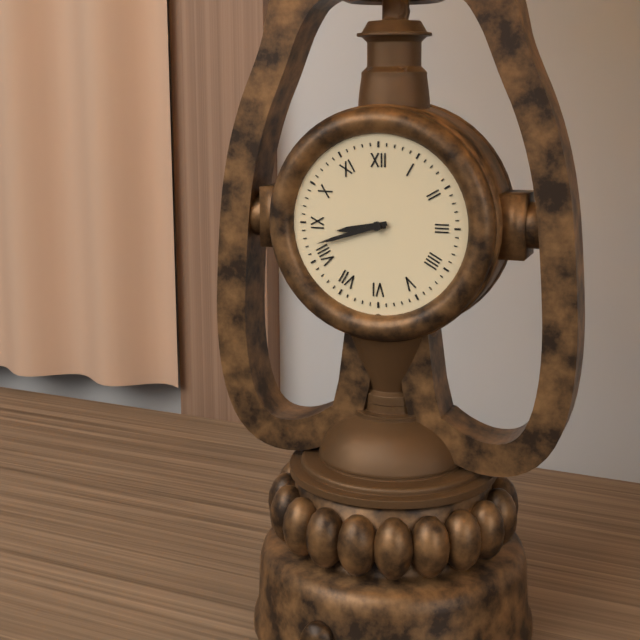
8:42
